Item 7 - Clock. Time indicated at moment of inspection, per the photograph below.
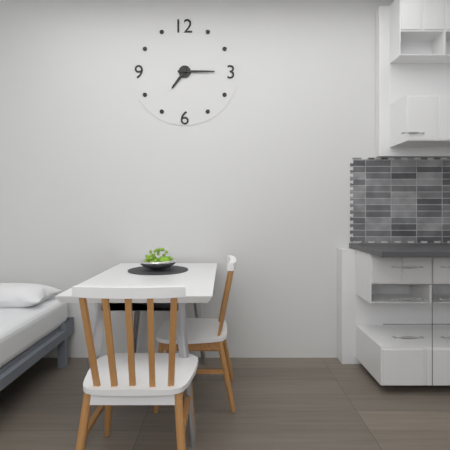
7:15
